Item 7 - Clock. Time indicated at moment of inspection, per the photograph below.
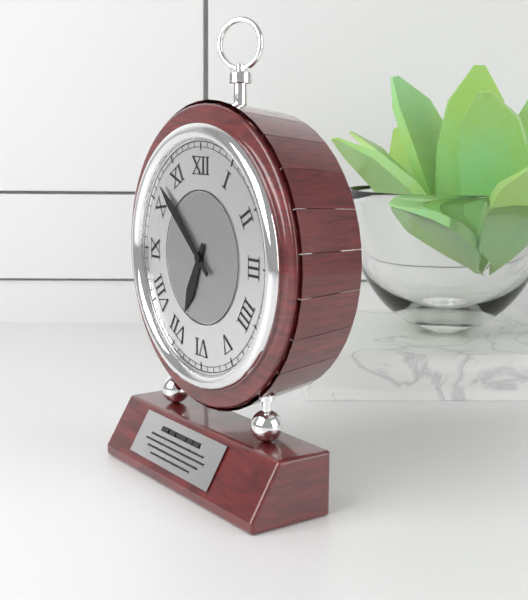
6:52
